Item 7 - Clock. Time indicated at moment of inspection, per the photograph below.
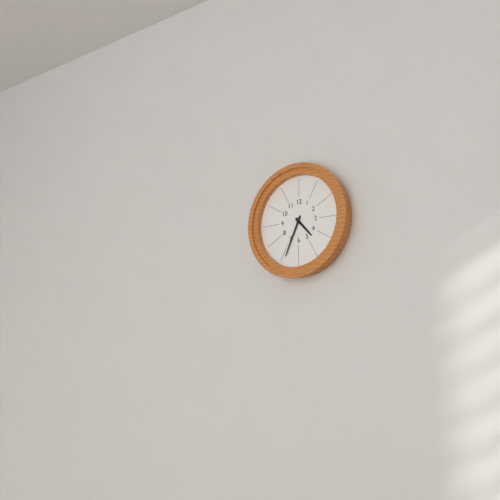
4:34
